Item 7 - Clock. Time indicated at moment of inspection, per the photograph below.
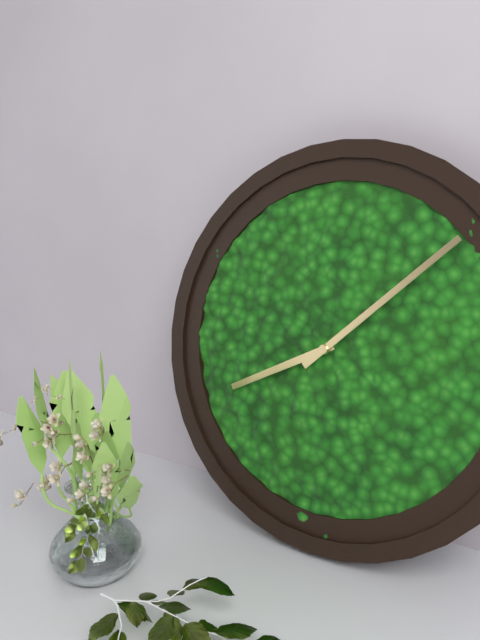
8:08
